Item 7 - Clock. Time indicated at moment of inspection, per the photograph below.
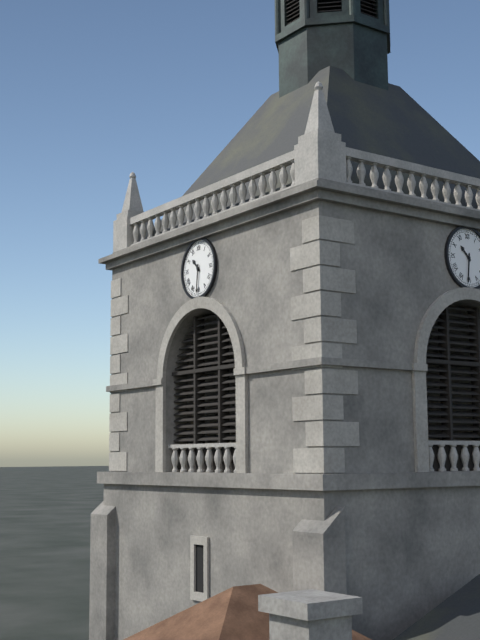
10:31
